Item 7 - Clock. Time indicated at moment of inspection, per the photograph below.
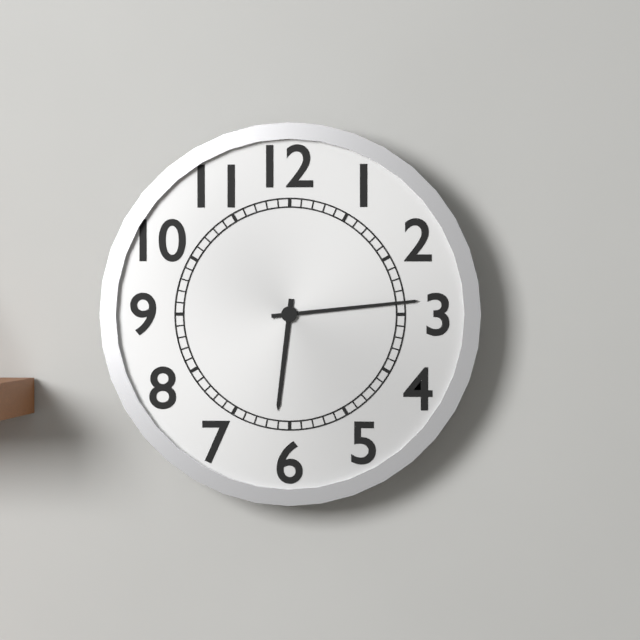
6:14
